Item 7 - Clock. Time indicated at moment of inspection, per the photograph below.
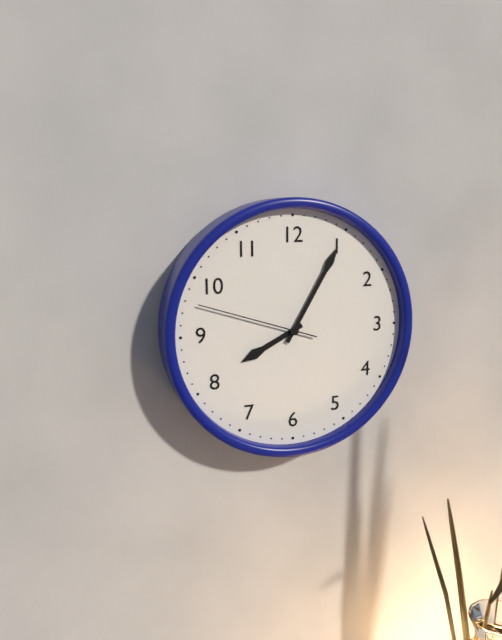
8:05:48
